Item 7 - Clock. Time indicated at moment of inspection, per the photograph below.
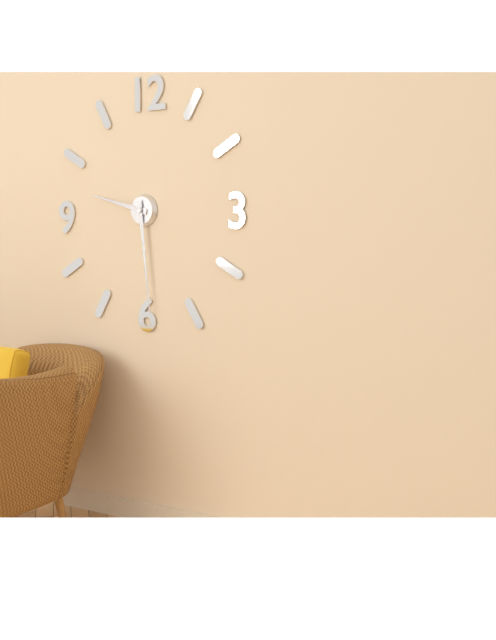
9:29
